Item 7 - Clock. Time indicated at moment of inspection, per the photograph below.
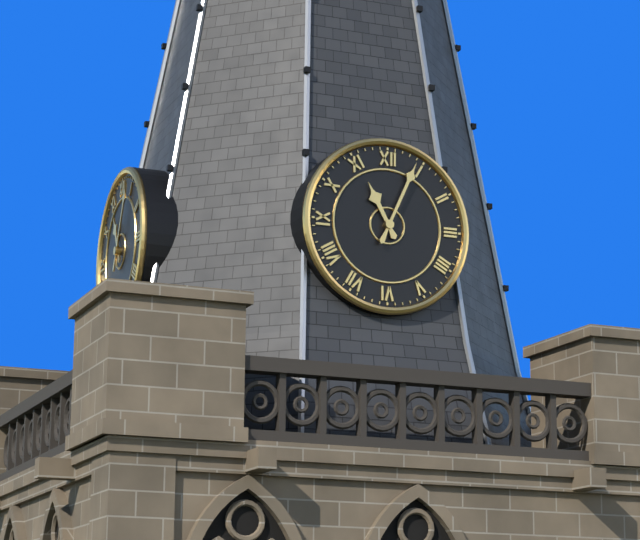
11:04
